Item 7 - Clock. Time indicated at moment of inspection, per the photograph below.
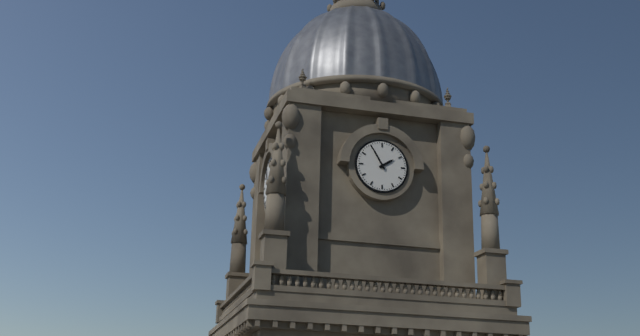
1:55
